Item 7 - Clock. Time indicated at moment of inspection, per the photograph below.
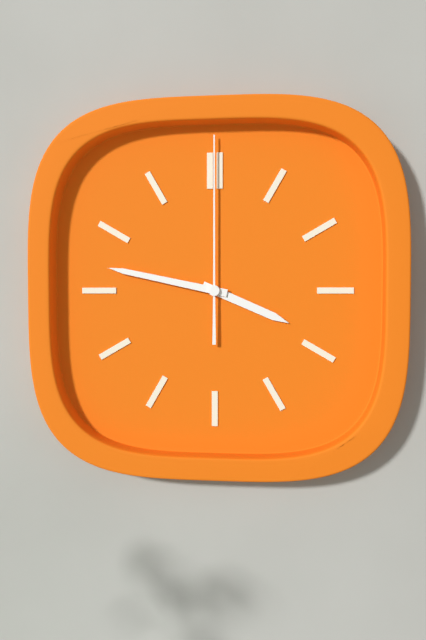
3:47:00
